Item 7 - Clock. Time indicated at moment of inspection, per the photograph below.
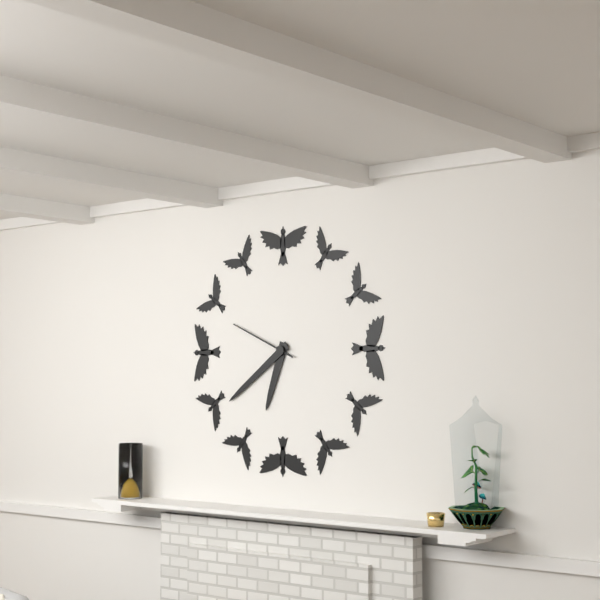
6:39:49
